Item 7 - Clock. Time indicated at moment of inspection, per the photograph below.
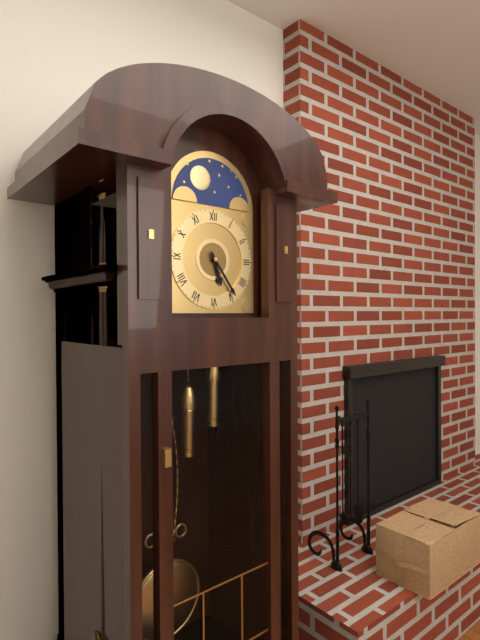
5:24
